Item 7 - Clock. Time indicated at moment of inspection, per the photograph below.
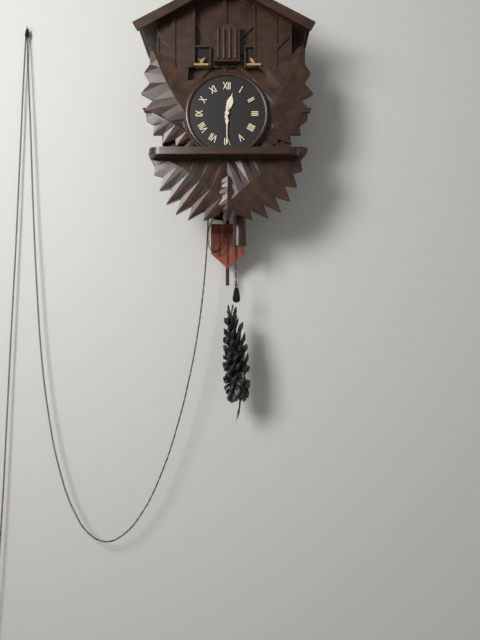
12:30
